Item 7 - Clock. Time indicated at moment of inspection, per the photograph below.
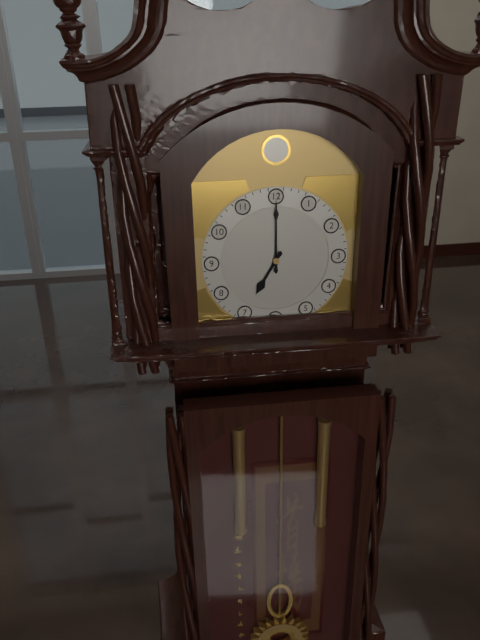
7:00
